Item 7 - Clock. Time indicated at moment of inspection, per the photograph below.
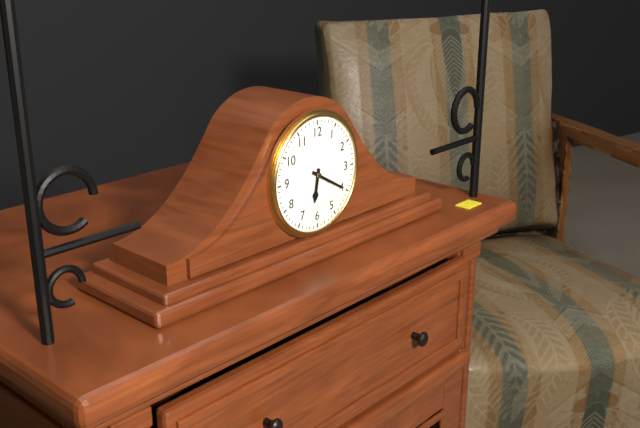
6:20
